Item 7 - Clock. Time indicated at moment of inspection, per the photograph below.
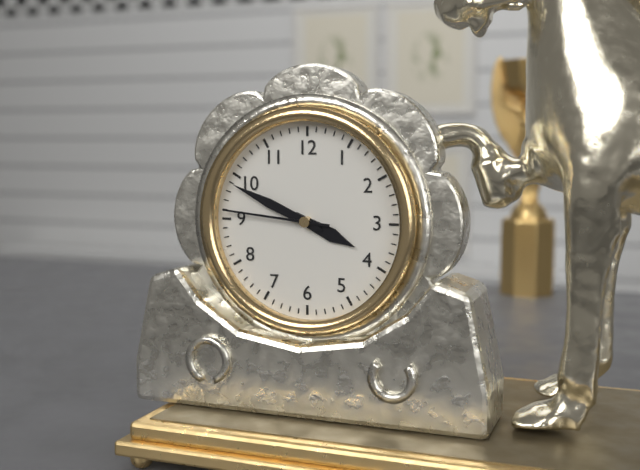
3:49:46
